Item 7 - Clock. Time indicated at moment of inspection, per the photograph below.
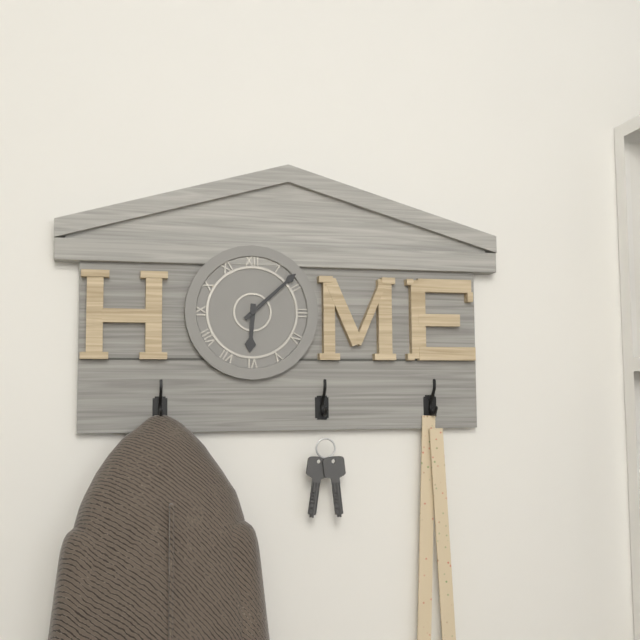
6:08
